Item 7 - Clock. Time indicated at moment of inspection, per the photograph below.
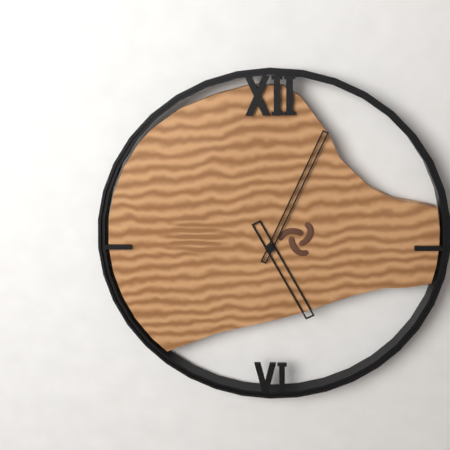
5:04
